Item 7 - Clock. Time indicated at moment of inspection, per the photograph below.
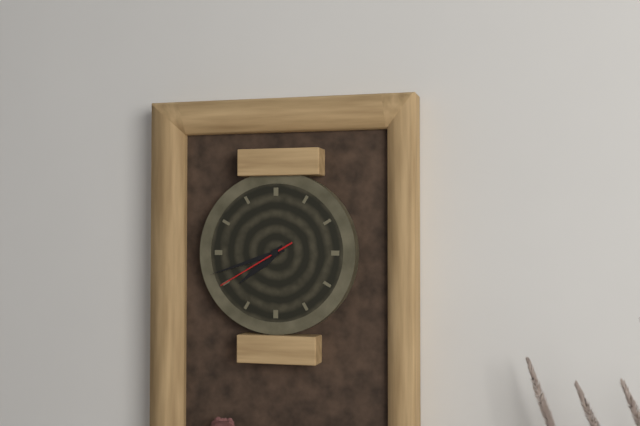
7:42:40
